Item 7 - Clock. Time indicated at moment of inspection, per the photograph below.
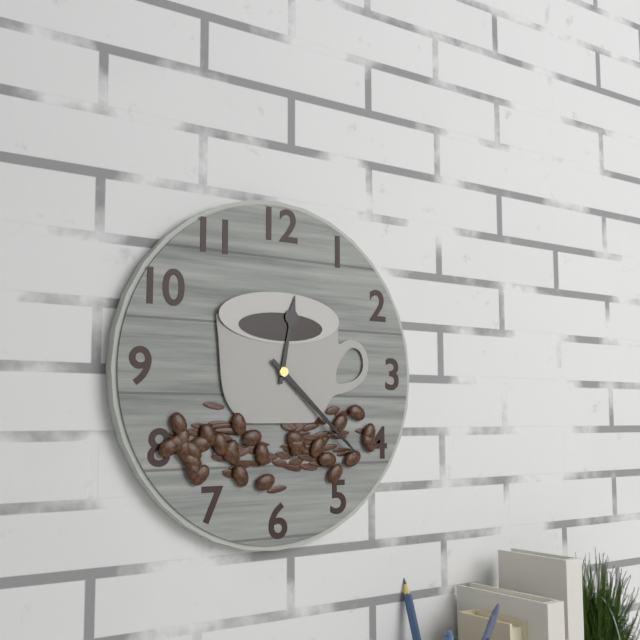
12:22
